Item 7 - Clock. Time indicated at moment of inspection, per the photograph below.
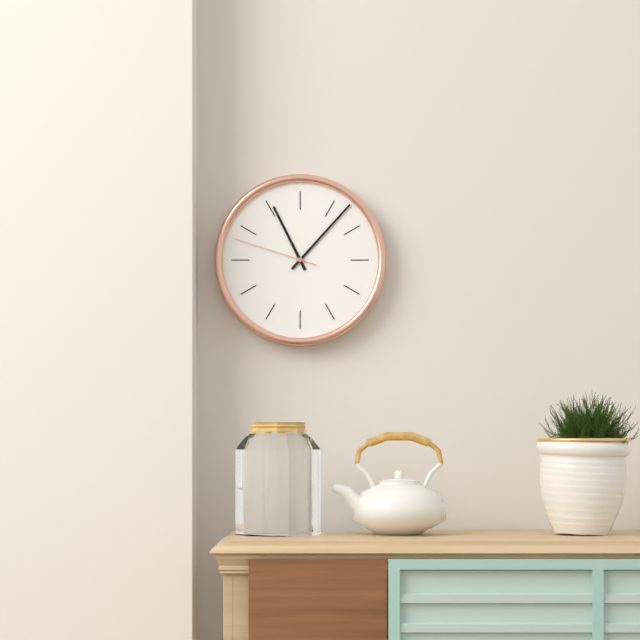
11:07:48
